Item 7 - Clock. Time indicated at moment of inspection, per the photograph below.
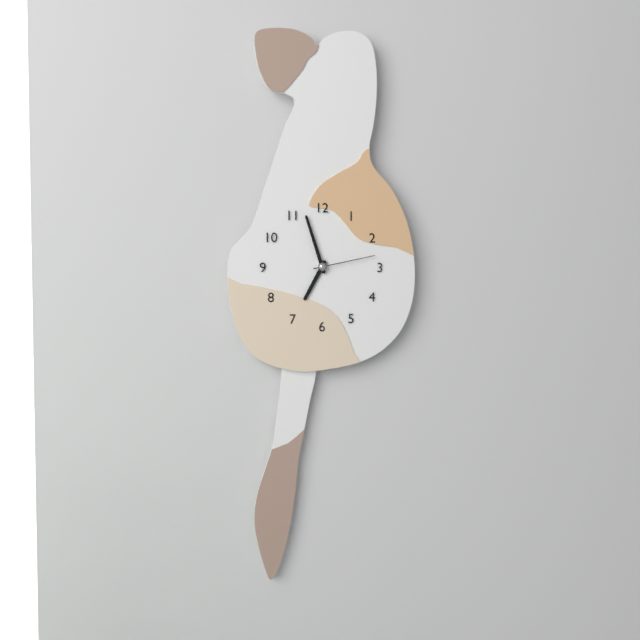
6:57:13
